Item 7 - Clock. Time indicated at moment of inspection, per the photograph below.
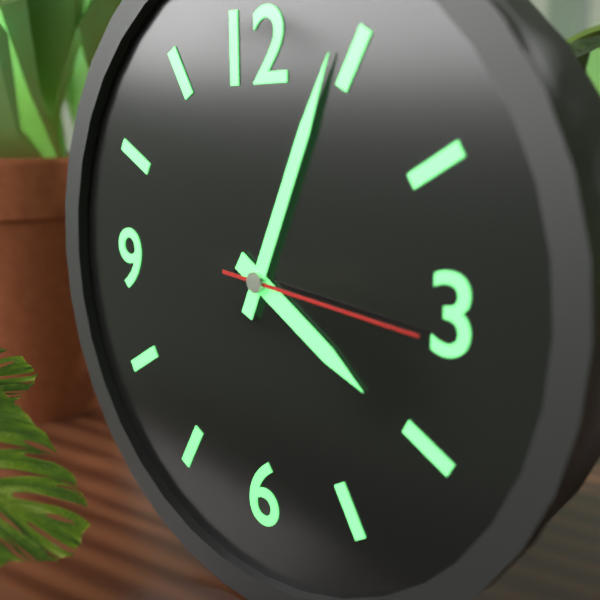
4:04:16
